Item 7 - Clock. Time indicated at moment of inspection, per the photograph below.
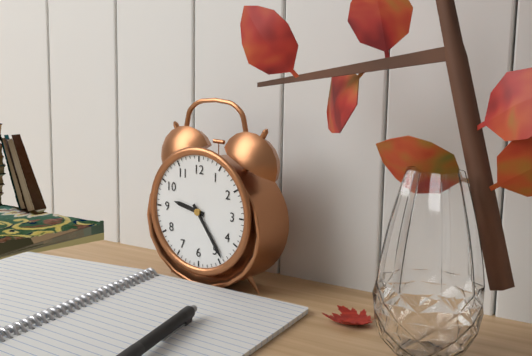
9:24
